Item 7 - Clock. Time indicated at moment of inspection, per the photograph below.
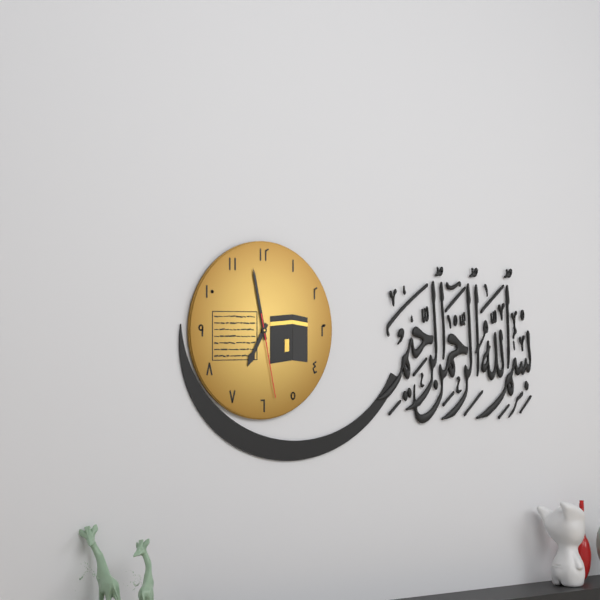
6:58:28
